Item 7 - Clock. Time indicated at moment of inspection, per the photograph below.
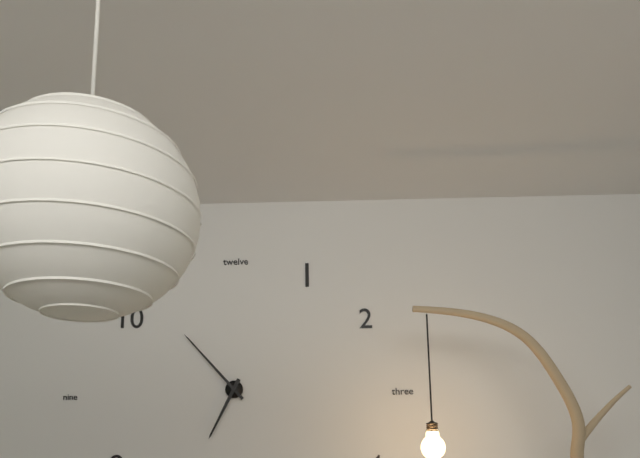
6:53
